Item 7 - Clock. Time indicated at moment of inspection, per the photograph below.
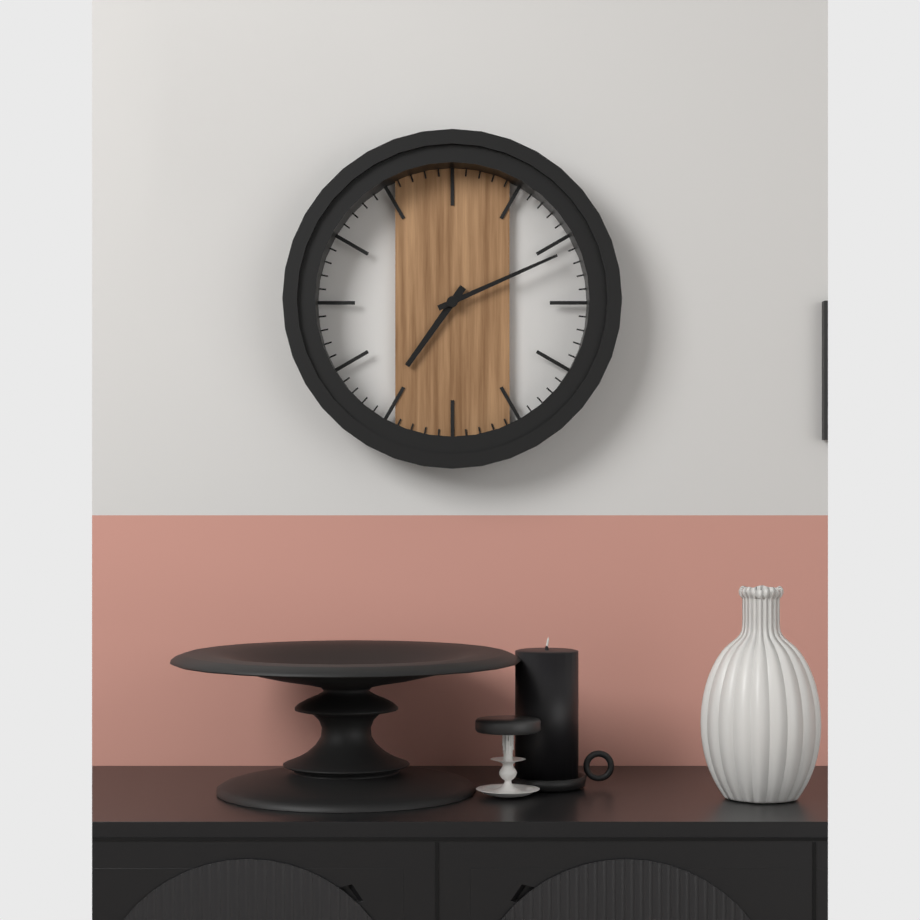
7:11
